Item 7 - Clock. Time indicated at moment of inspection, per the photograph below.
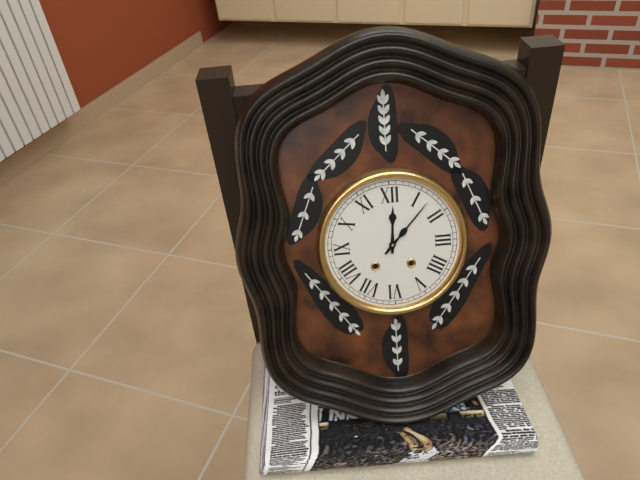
12:07
